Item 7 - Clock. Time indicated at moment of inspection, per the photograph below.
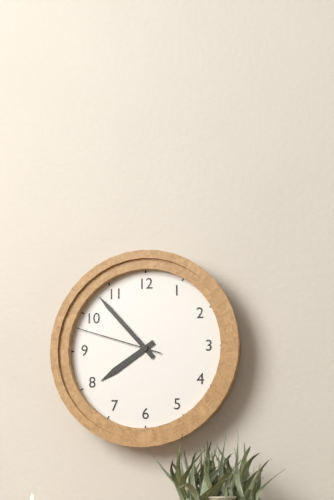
7:53:48
